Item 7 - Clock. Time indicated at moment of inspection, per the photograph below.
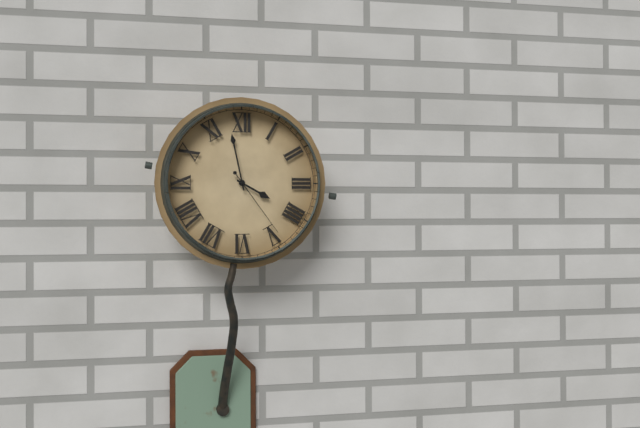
3:58:24
